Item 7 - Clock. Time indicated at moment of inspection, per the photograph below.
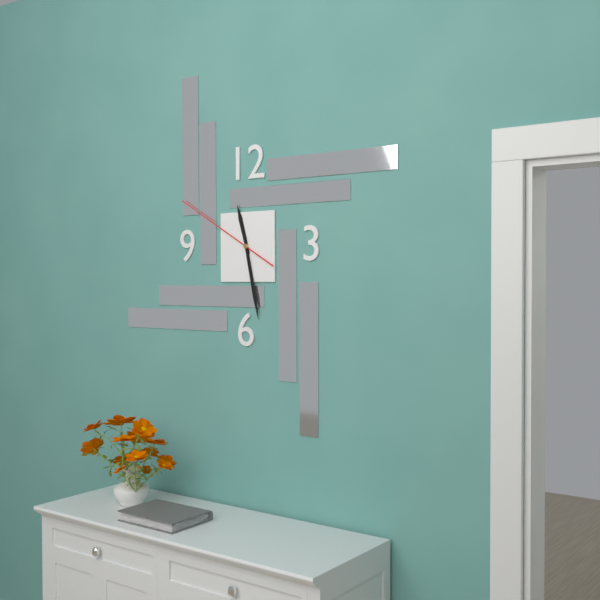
11:28:50
